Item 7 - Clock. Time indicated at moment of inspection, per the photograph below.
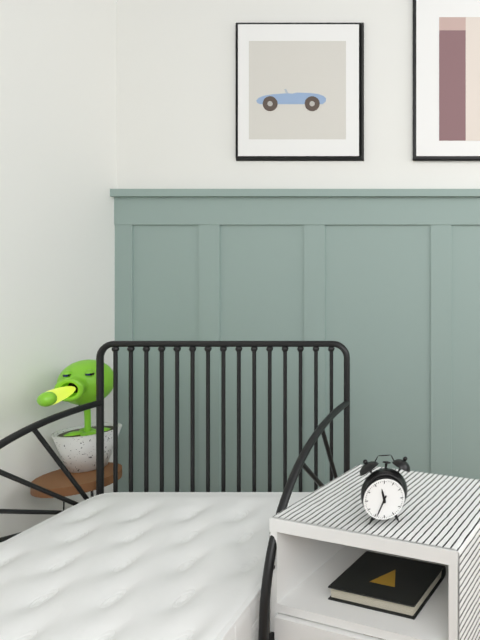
11:34
